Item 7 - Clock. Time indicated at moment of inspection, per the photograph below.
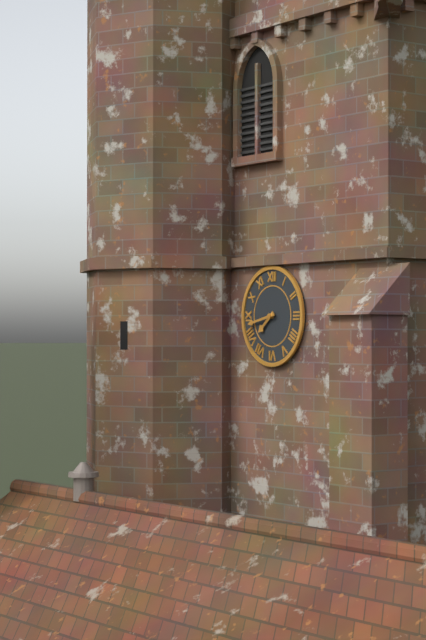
7:43
